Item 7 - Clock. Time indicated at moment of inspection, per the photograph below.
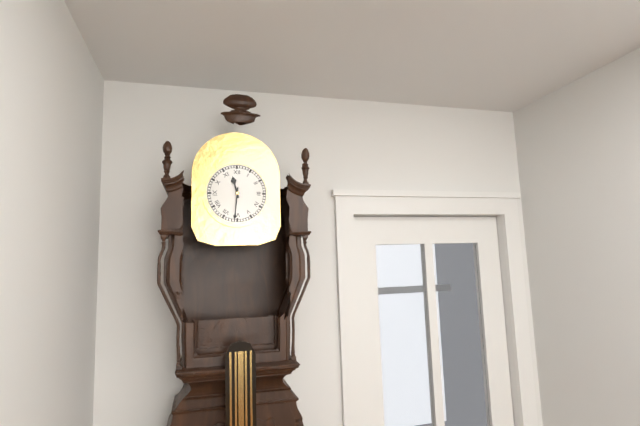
11:31
